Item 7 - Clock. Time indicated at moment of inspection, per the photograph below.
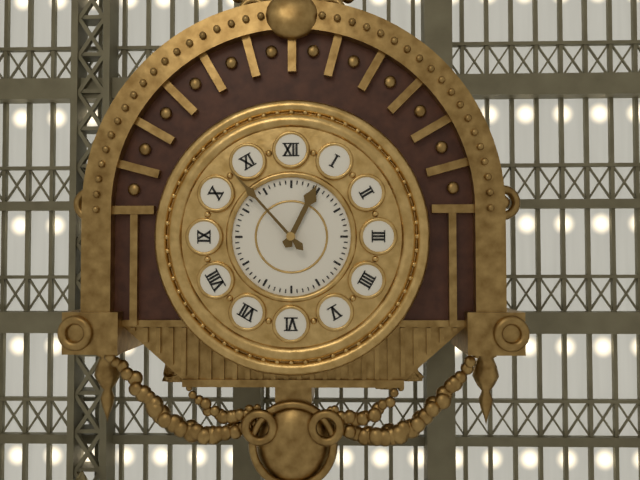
12:53
